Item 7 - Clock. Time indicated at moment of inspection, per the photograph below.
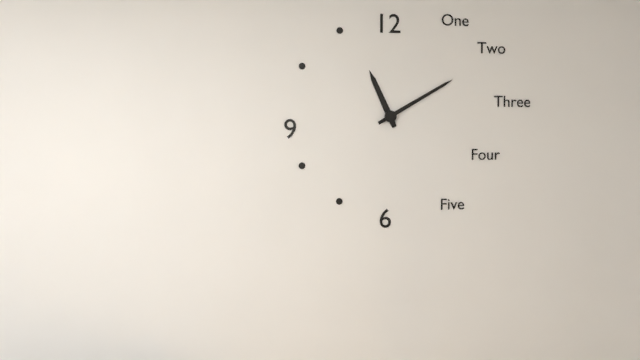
11:10
